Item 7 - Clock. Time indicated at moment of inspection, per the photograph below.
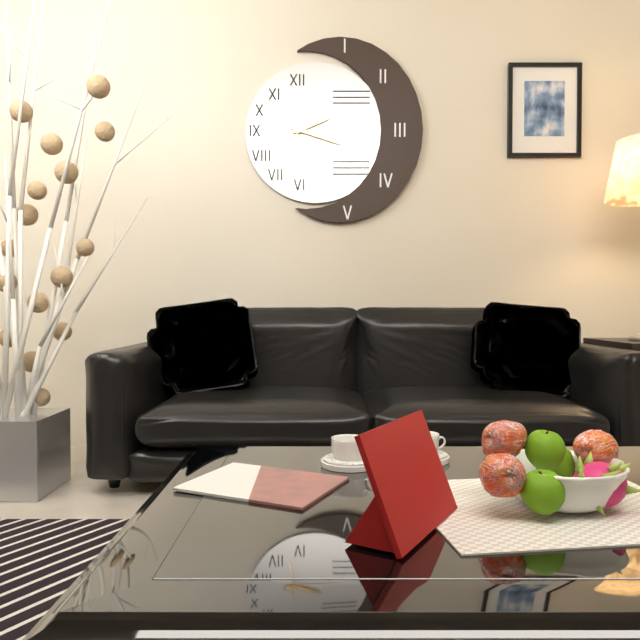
2:18:32
